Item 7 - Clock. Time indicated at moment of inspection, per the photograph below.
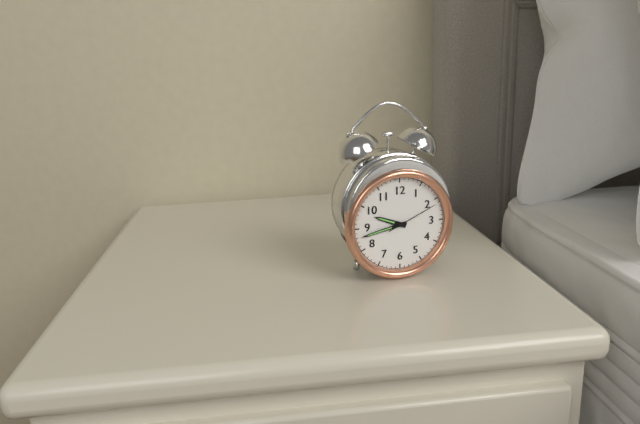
9:43:11
